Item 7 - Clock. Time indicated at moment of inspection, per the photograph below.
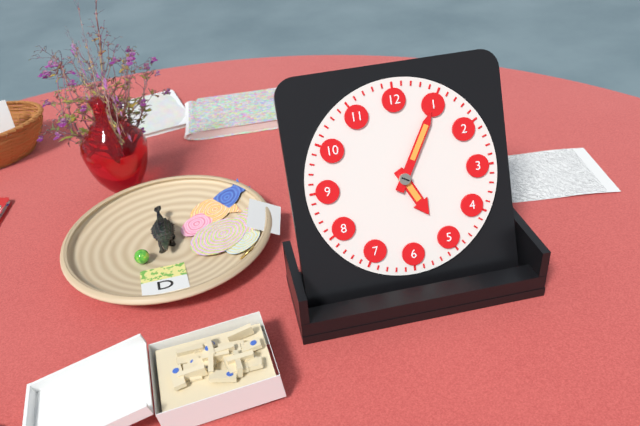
5:05
